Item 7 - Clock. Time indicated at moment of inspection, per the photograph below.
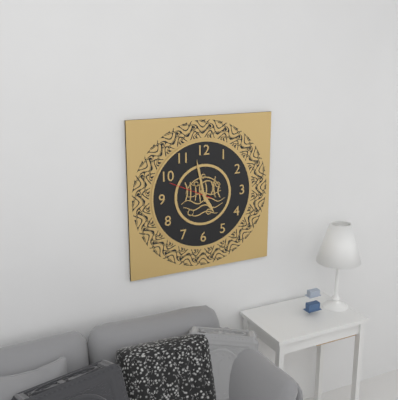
4:58
